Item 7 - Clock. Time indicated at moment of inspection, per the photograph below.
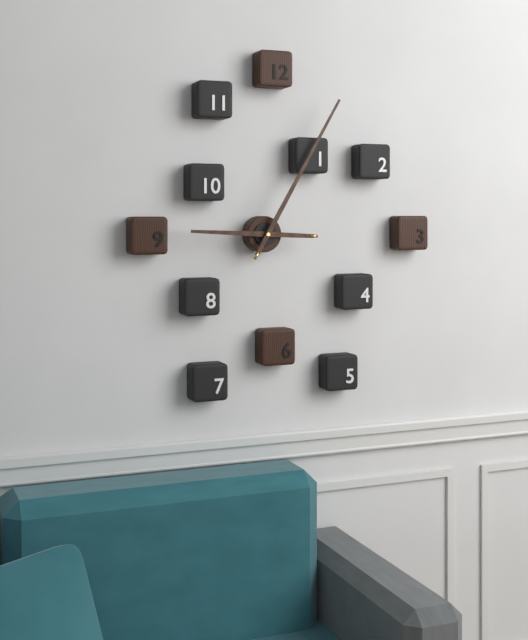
9:05
